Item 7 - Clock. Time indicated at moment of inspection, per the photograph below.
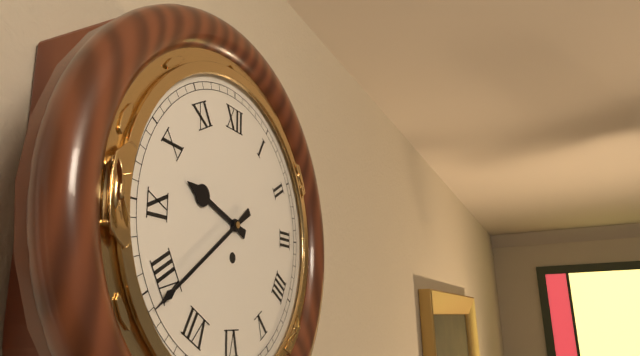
9:39
